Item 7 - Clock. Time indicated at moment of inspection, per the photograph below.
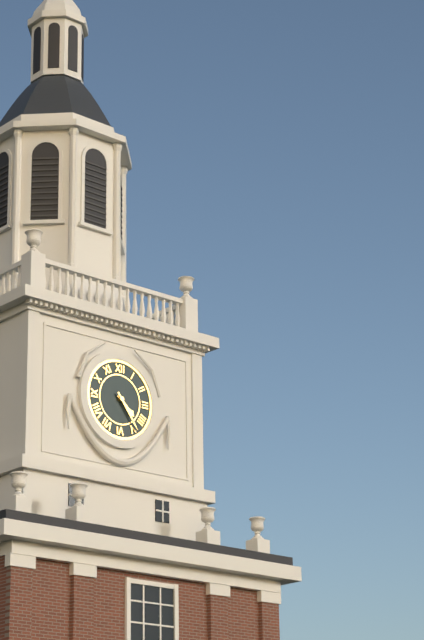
4:24
